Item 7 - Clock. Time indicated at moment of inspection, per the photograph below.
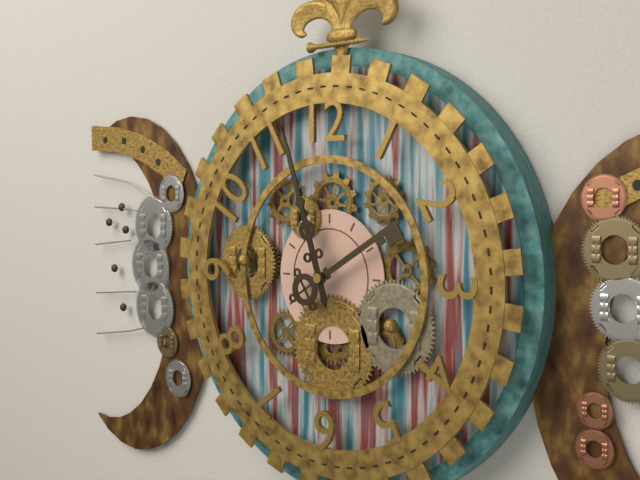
1:57
